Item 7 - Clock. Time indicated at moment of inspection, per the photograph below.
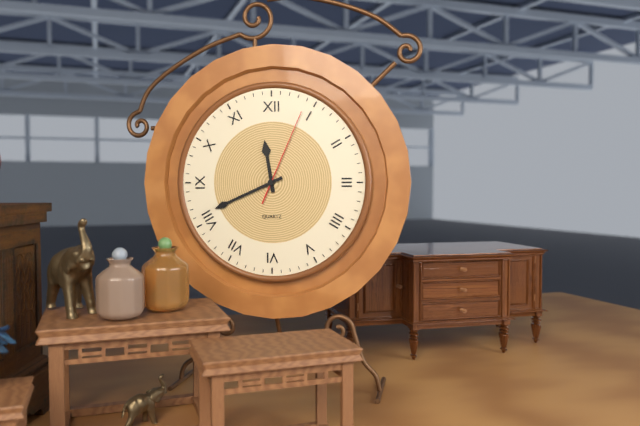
11:41:04
